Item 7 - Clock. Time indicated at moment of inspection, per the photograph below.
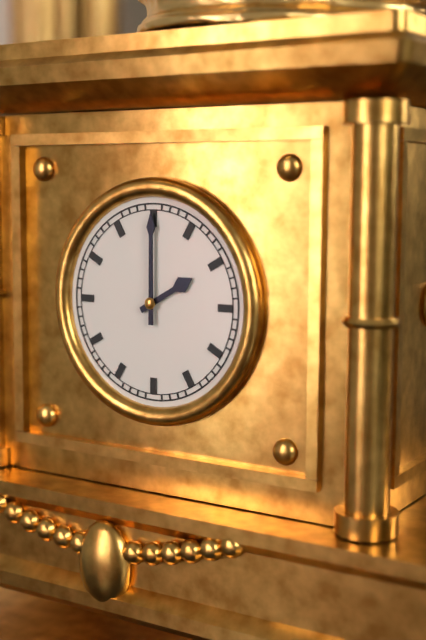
2:00
